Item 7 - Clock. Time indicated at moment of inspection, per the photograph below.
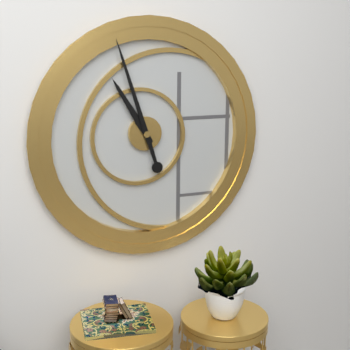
10:57
